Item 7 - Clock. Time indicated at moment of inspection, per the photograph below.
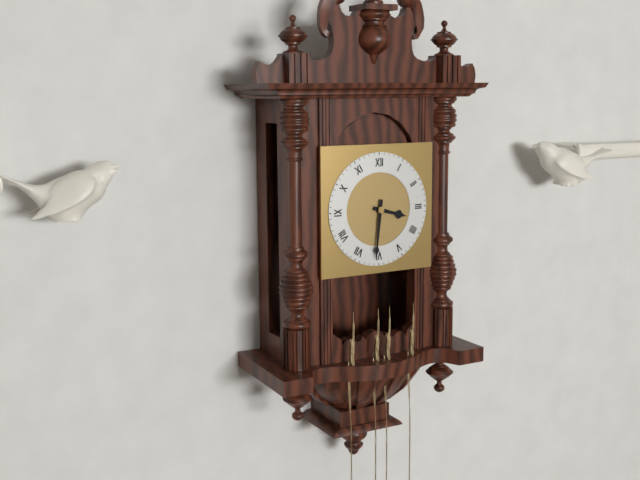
3:31
